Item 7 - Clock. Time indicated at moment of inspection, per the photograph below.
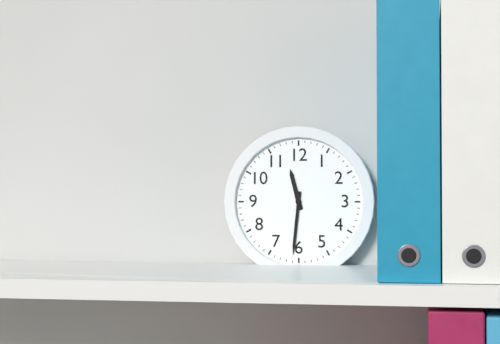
11:31
